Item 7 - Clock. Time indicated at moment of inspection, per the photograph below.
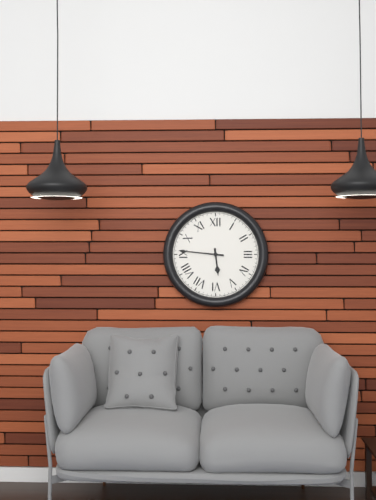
5:46
